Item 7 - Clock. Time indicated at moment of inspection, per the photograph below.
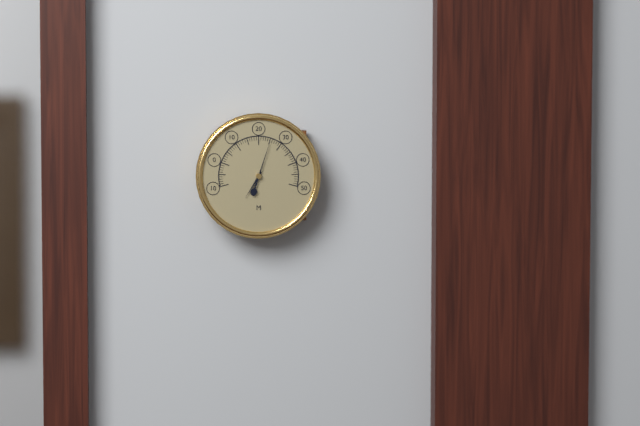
7:03
